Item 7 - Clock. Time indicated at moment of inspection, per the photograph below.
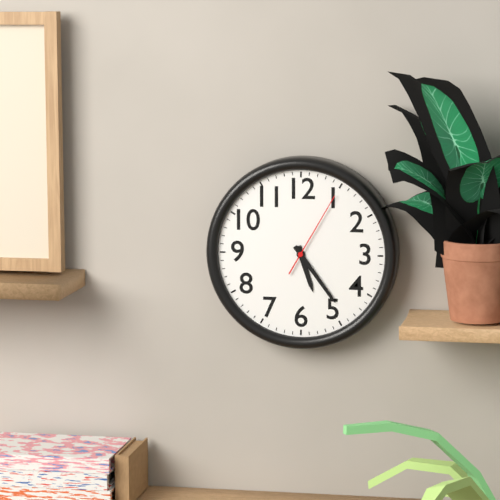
5:24:05
